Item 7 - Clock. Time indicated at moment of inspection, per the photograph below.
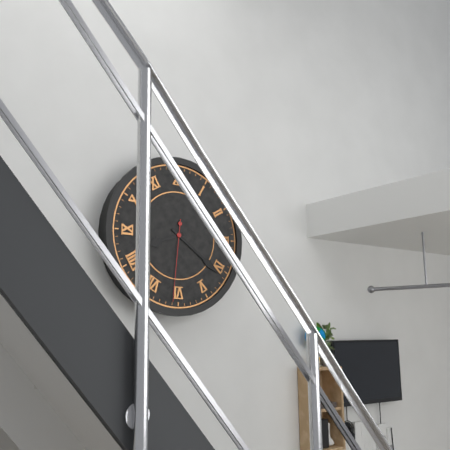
8:21:31
